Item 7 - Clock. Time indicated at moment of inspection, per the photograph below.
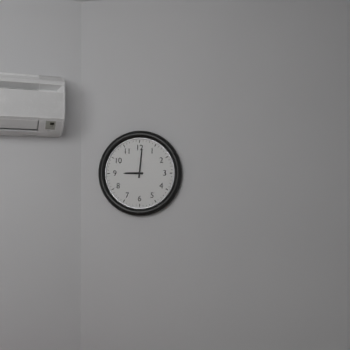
9:01
